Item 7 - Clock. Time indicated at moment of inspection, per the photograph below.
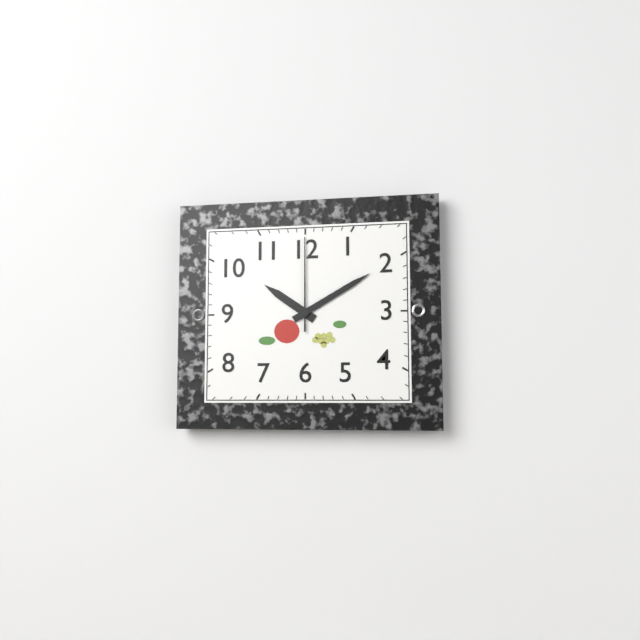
10:10:00
